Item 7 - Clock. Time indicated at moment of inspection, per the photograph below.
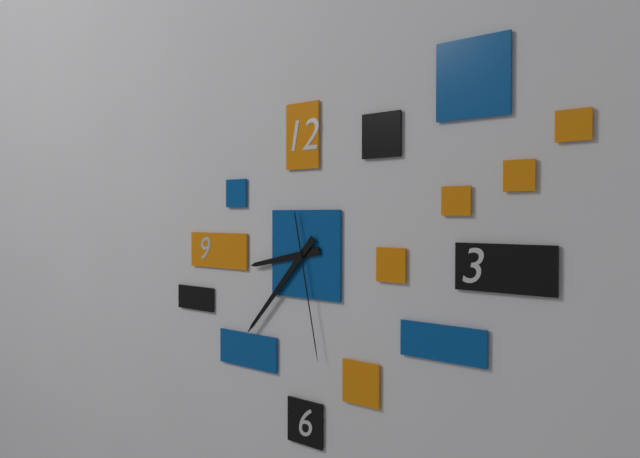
8:37:28
